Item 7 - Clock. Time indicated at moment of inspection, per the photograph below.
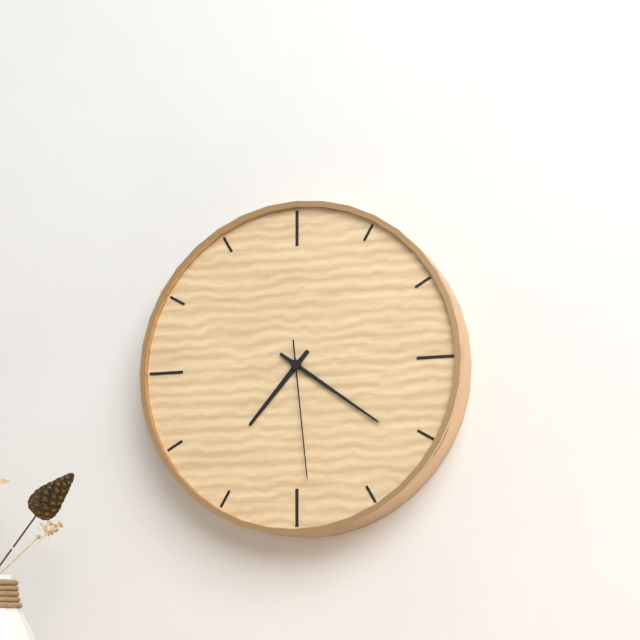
7:21:29
